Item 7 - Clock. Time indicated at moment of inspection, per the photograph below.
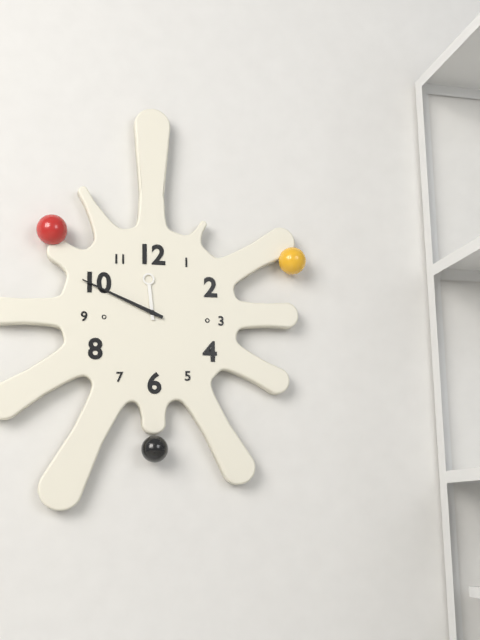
11:49
